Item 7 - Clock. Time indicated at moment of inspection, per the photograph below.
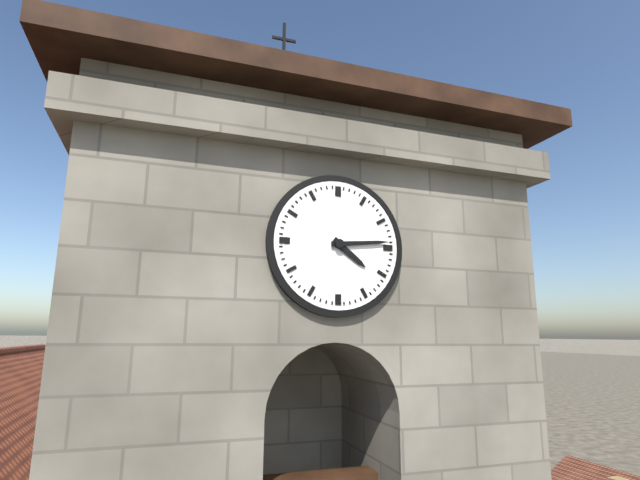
4:14
